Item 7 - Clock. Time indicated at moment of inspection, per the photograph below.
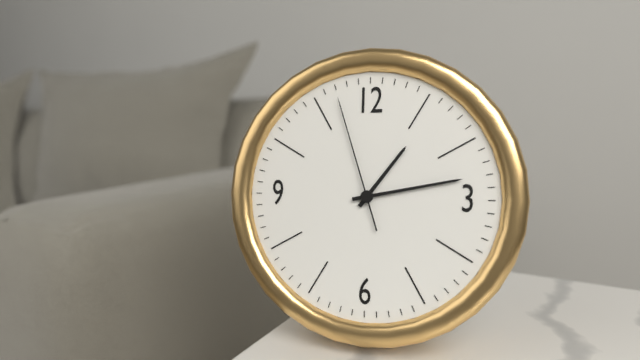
1:13:57
